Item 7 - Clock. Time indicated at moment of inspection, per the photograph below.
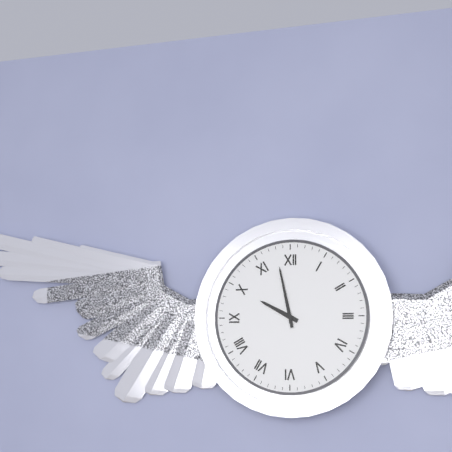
9:58
